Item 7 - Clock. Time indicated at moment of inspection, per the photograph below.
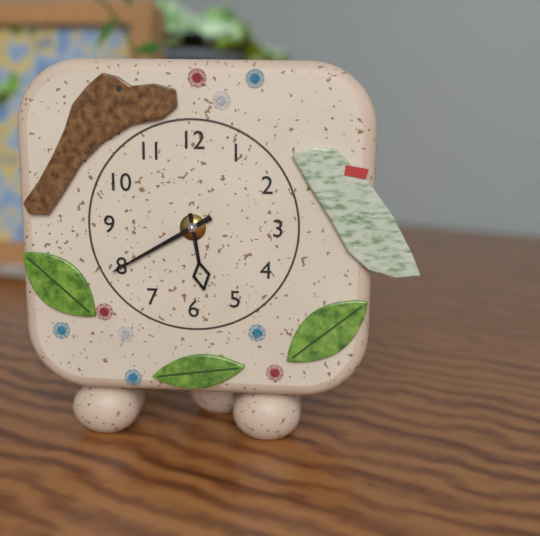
5:40
